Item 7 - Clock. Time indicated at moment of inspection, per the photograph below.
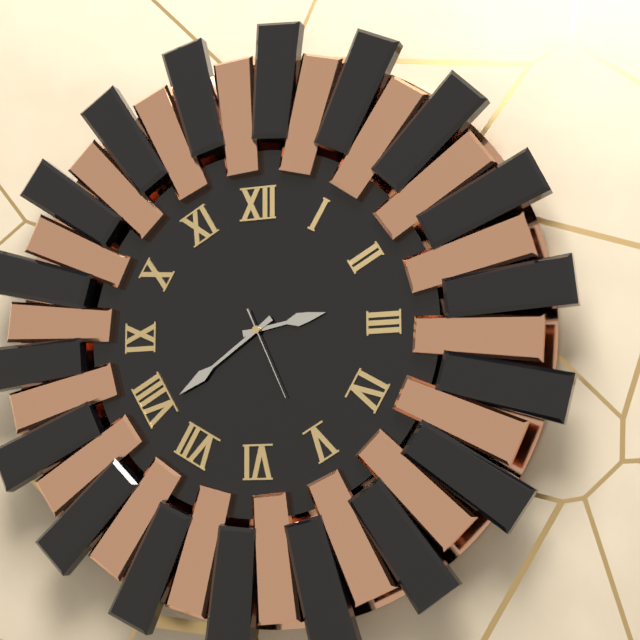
2:39:26
